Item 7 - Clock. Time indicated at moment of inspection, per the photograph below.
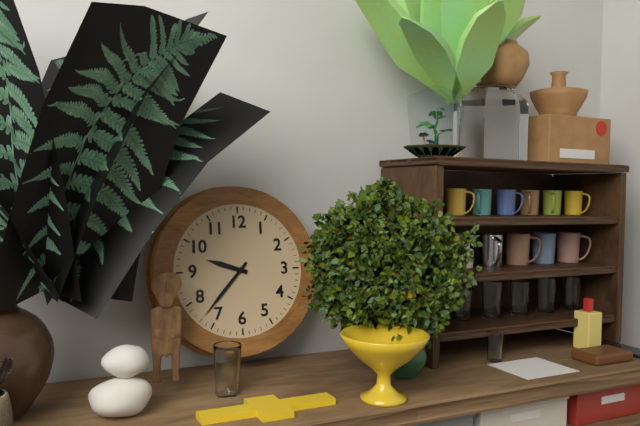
9:37
